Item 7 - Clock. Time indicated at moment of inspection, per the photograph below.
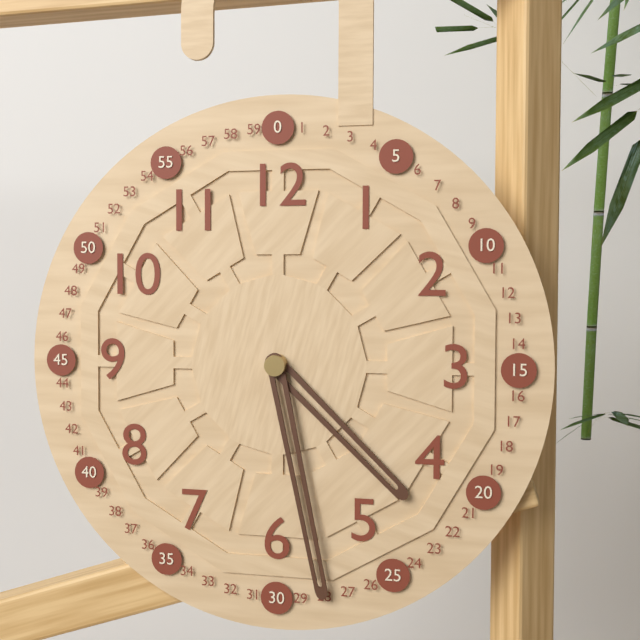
4:28
